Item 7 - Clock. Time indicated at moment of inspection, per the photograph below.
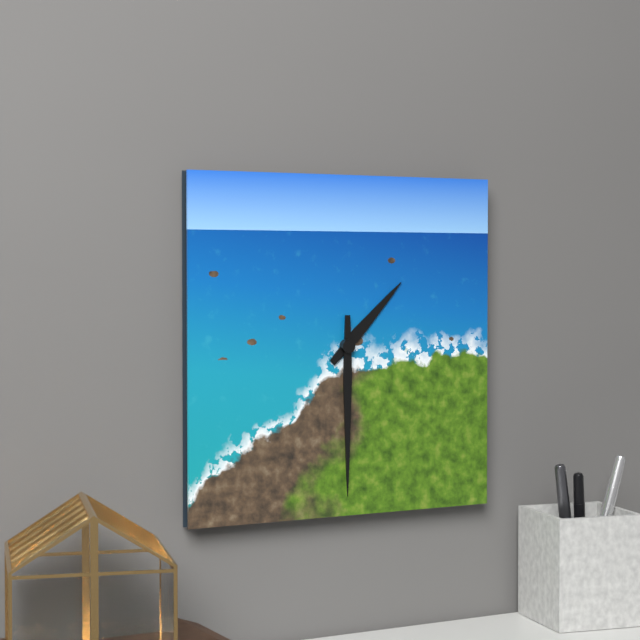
1:30
